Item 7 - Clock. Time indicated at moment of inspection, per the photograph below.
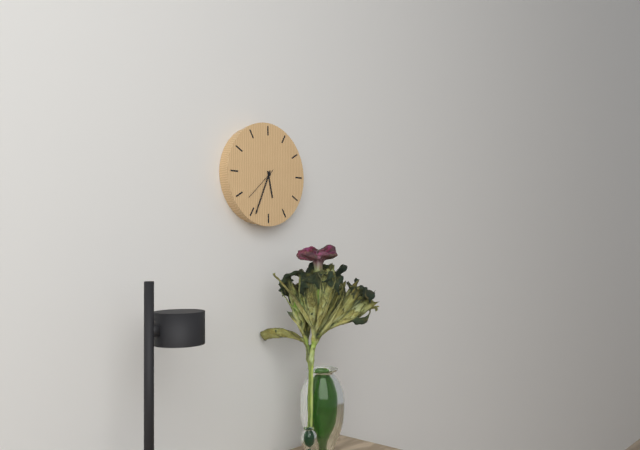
5:34
